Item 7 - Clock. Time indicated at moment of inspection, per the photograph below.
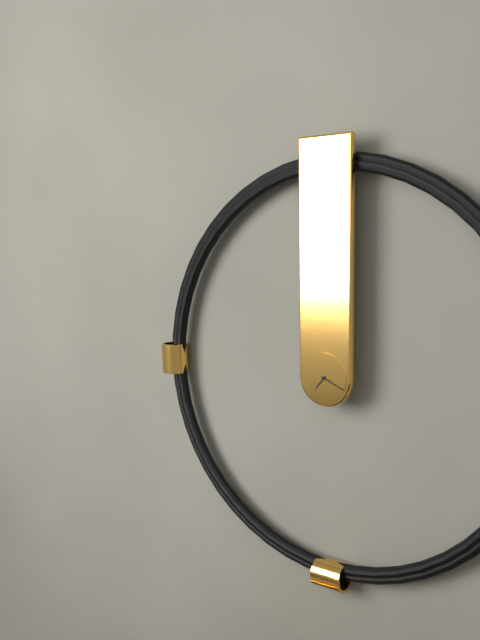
7:19
